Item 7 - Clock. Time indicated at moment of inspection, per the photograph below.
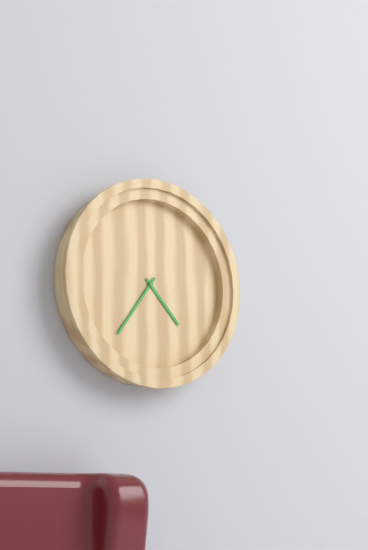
4:36
